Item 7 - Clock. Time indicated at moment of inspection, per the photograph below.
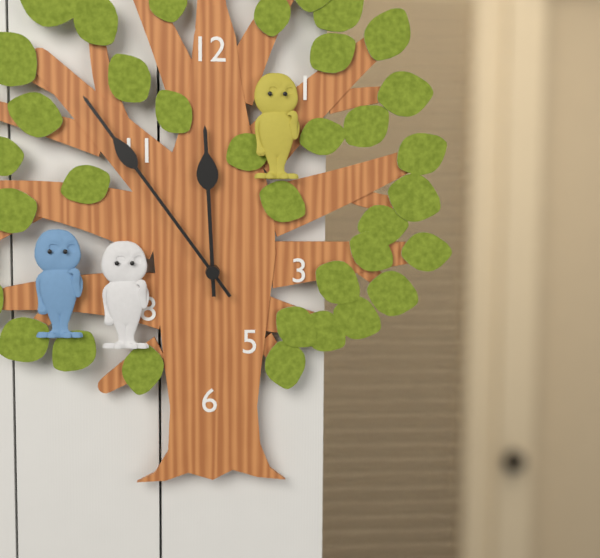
11:54
